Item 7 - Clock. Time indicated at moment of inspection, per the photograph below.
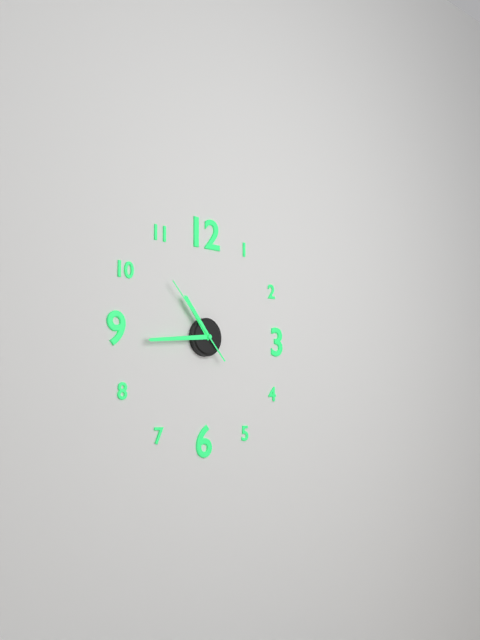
10:44:53
